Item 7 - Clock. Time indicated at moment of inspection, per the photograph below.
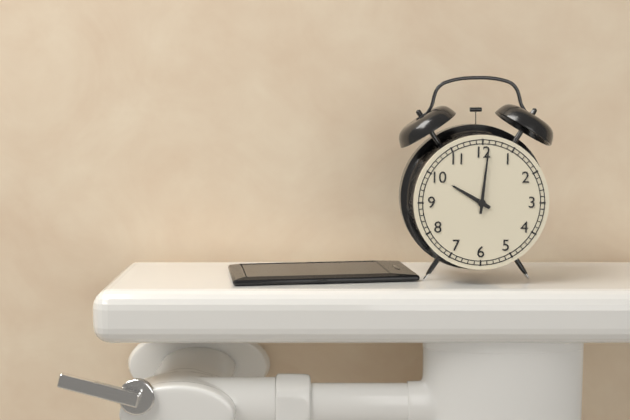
10:01
